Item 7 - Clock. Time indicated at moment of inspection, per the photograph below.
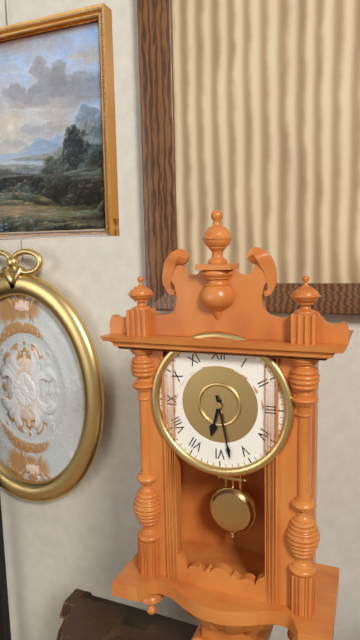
6:28
